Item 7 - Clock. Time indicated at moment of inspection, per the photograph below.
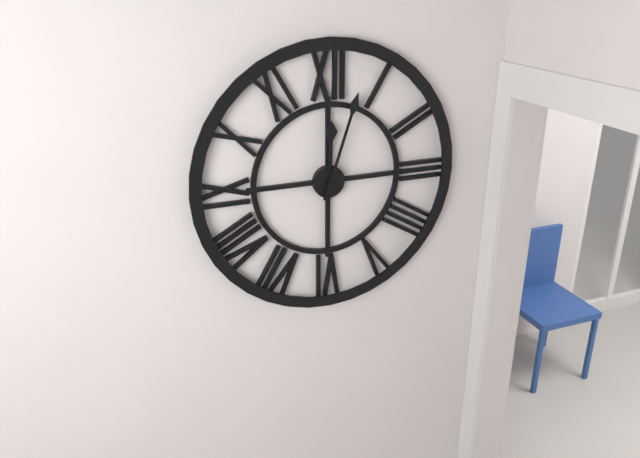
12:03
